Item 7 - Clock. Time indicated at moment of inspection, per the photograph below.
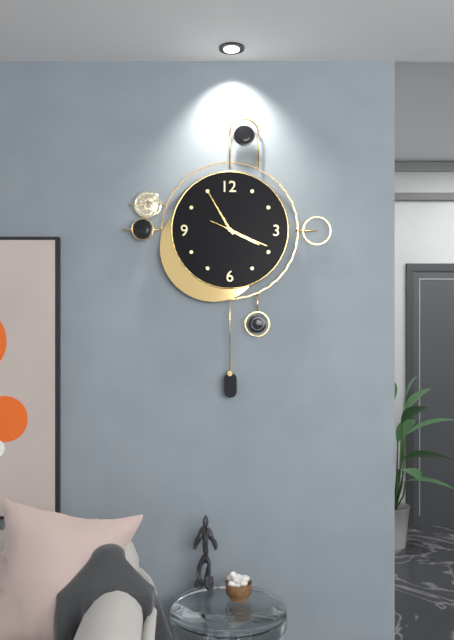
3:55:19
